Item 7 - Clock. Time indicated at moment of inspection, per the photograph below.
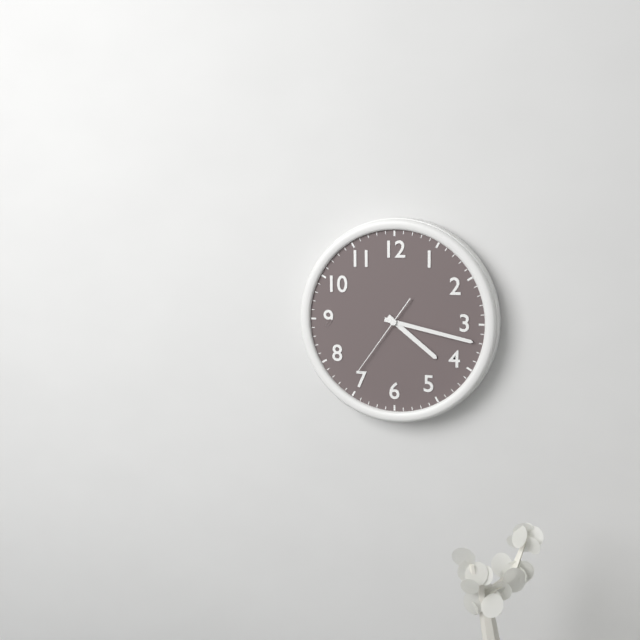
4:17:36
